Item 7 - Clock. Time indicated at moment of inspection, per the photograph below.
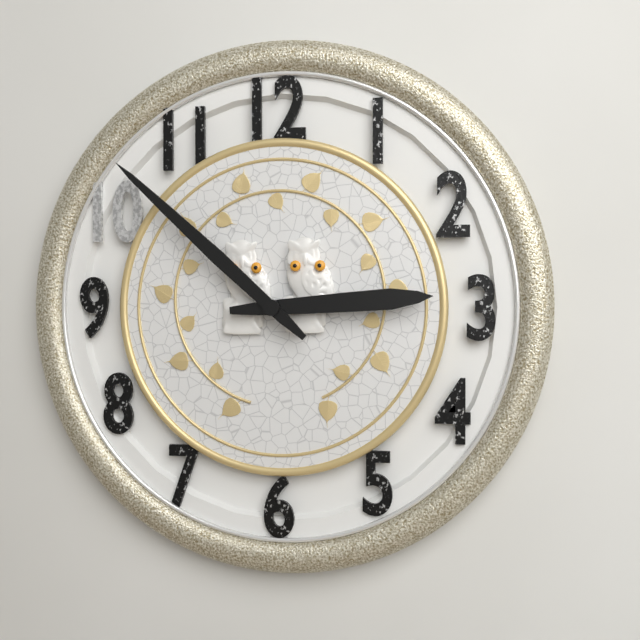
2:52
